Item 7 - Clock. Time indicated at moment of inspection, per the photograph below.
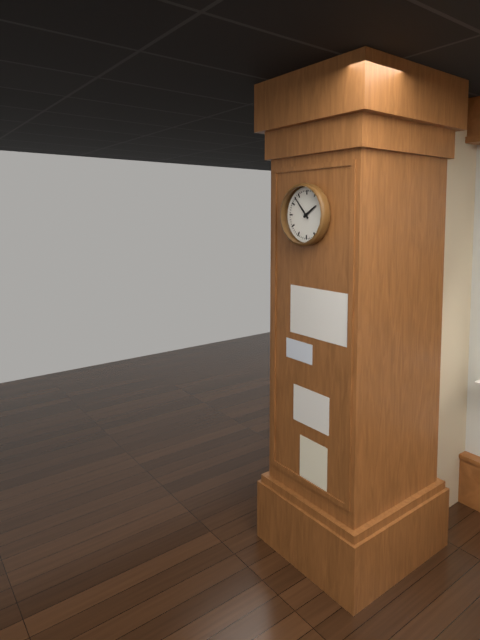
1:53
